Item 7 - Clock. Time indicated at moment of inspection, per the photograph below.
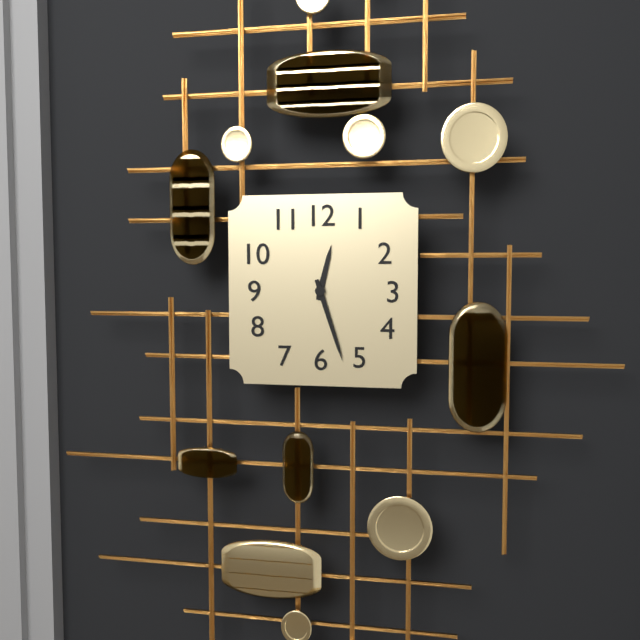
12:27
